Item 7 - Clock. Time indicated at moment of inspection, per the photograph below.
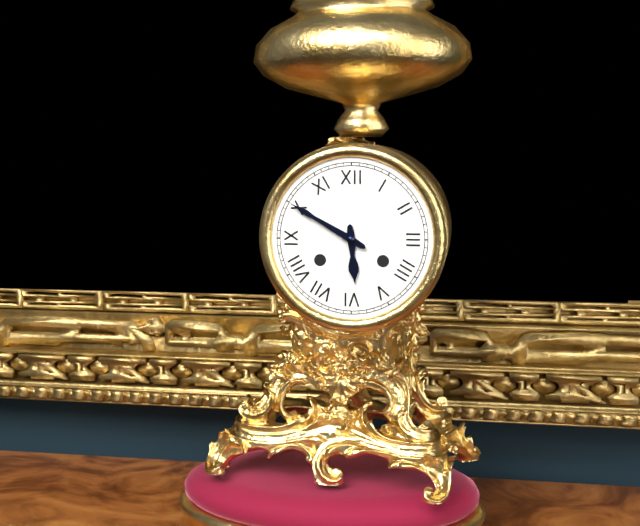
5:50
